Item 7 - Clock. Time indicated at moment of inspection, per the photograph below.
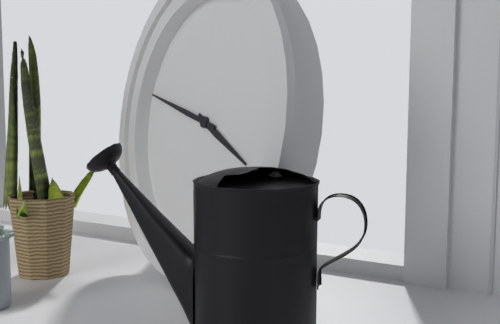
3:47
